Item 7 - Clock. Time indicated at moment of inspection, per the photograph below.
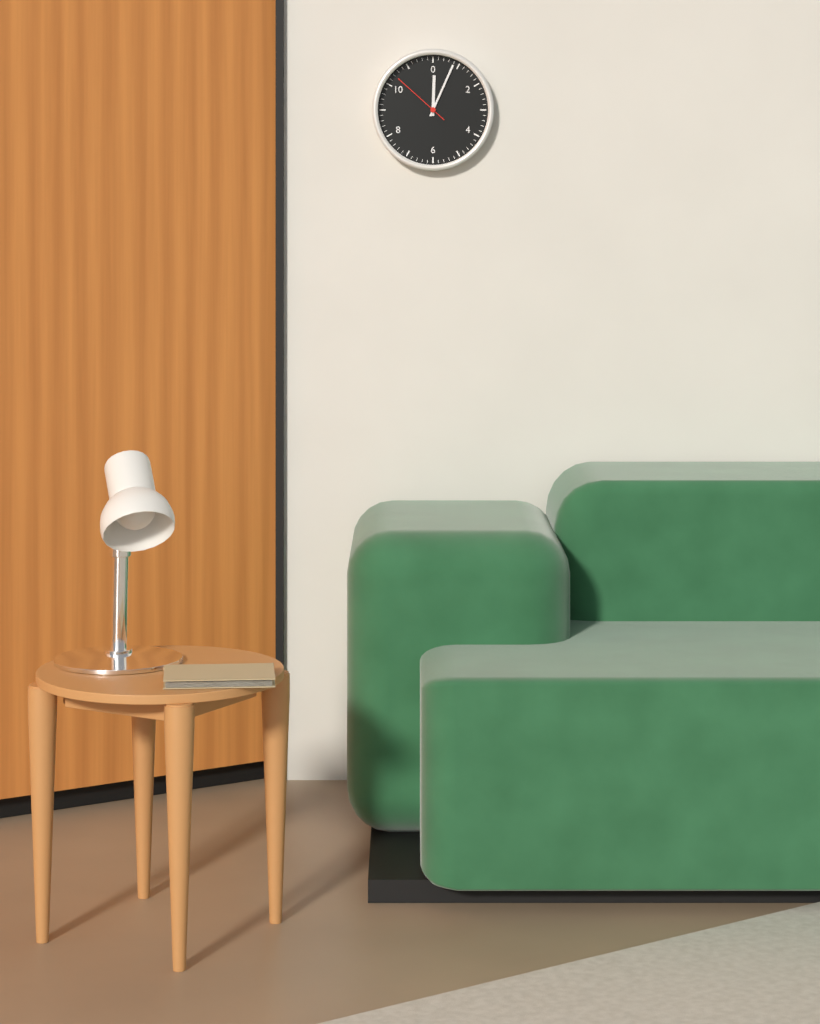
12:04:52
